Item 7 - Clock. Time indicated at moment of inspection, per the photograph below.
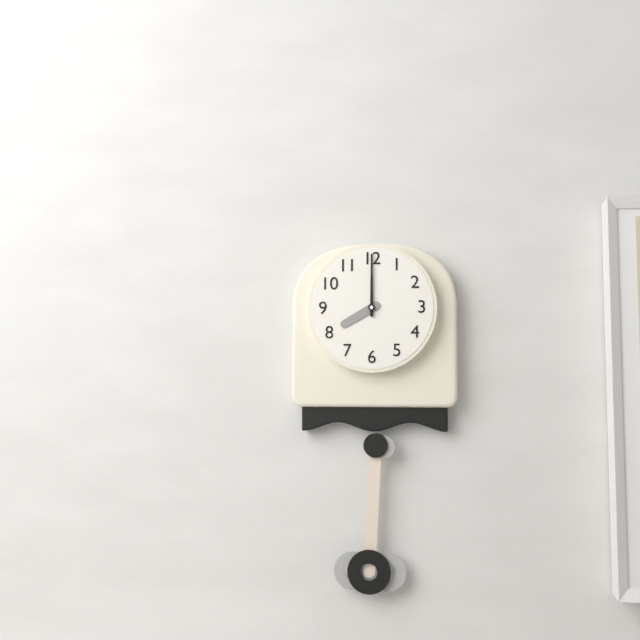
8:00
